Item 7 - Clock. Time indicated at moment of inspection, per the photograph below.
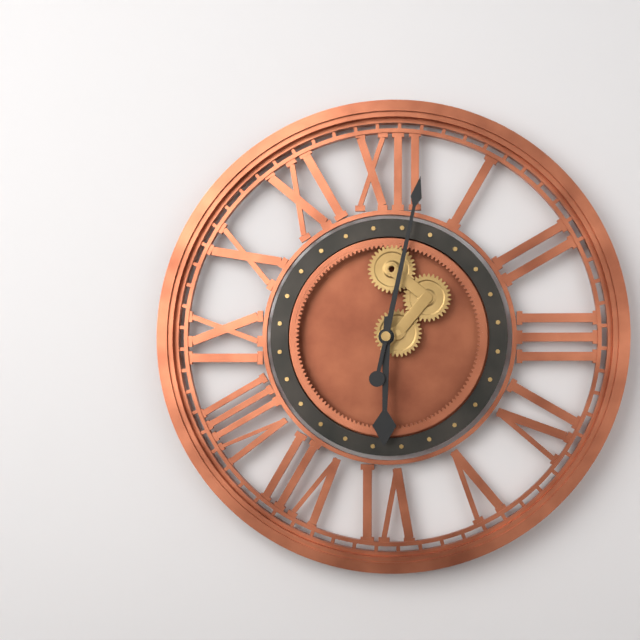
6:02
